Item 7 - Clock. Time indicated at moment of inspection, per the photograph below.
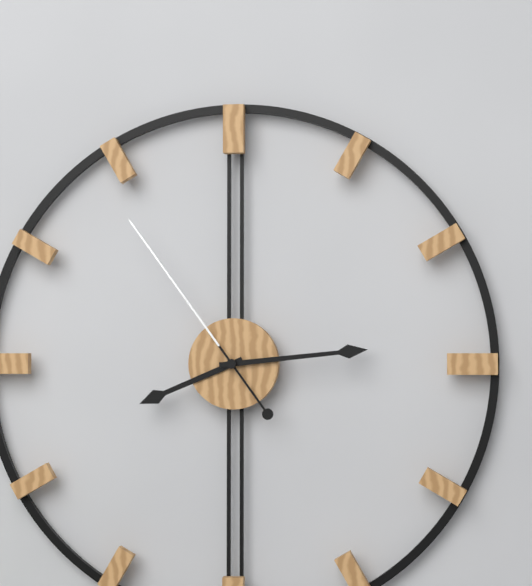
8:14:54
